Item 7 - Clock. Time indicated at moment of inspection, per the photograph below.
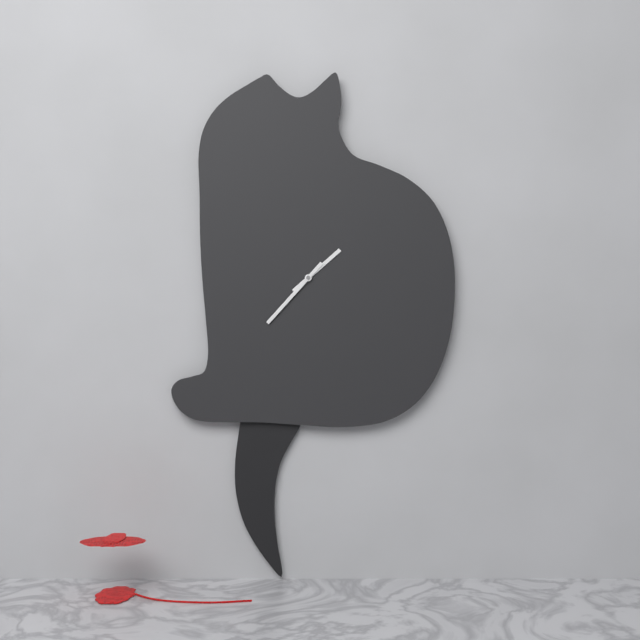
1:37
